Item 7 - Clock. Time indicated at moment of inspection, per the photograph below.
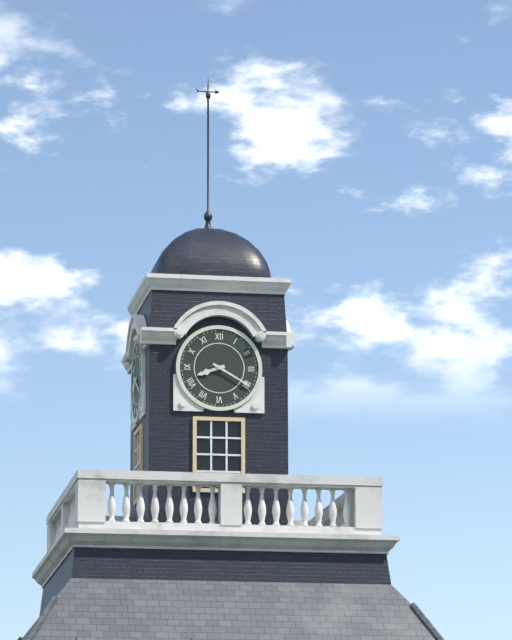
8:20
